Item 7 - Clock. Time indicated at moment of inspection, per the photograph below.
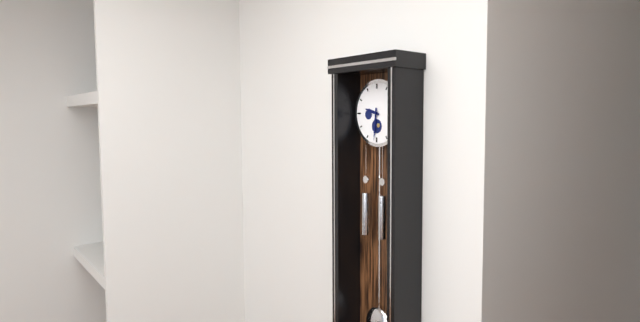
9:31
